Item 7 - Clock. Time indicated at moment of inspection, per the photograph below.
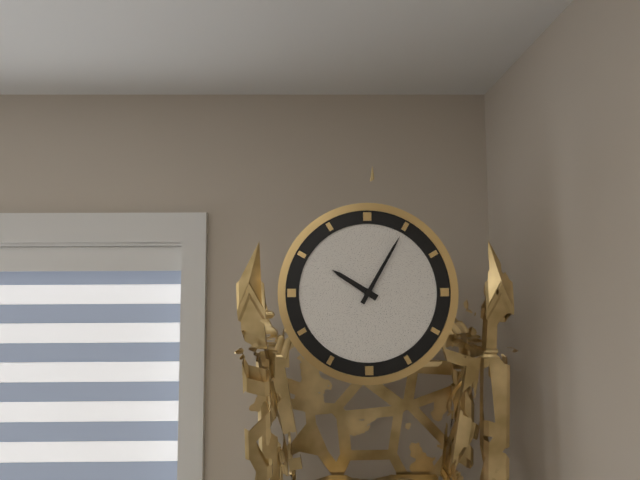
10:05
